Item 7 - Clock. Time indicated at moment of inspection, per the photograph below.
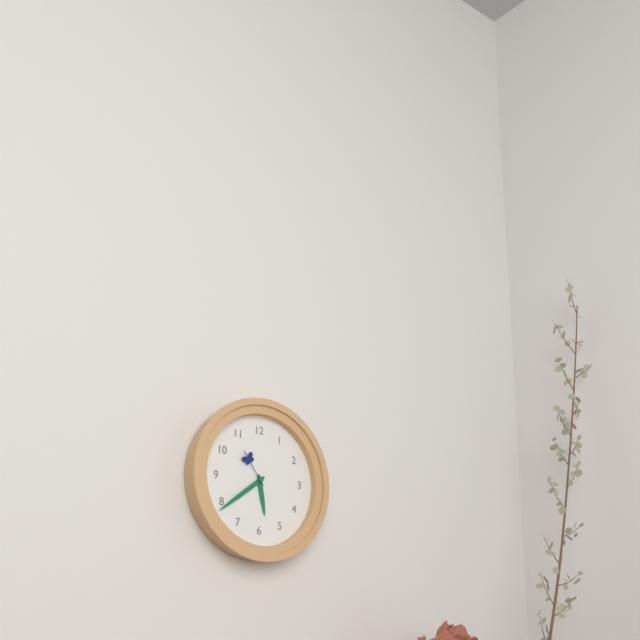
5:39
